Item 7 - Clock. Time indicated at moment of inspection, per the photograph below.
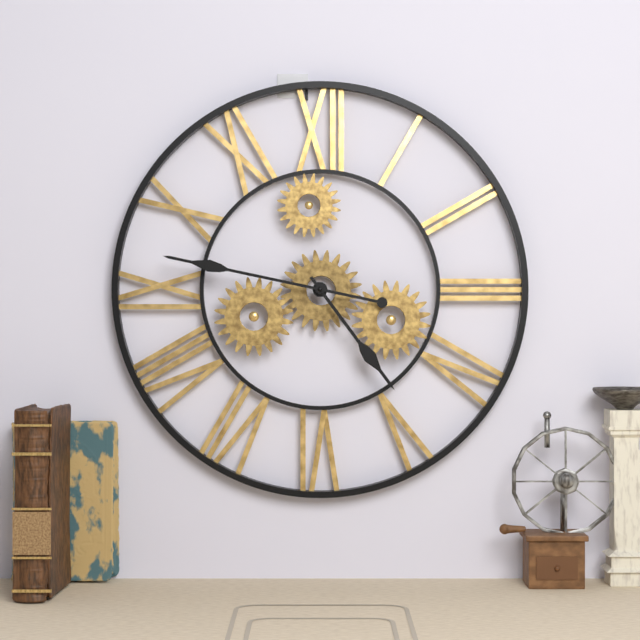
4:47
